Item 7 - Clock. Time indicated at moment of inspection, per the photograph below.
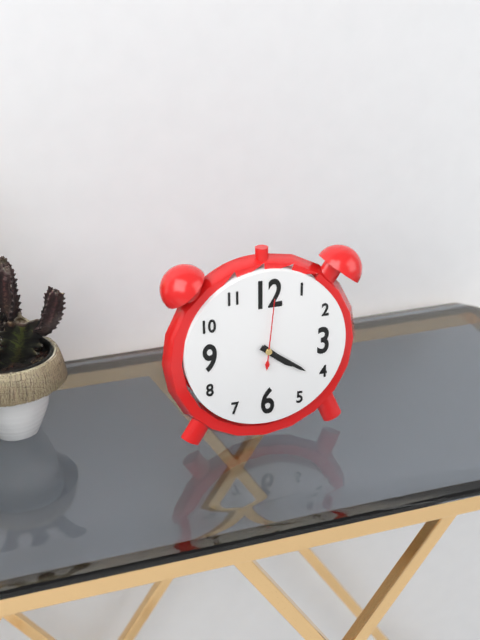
4:21:01
